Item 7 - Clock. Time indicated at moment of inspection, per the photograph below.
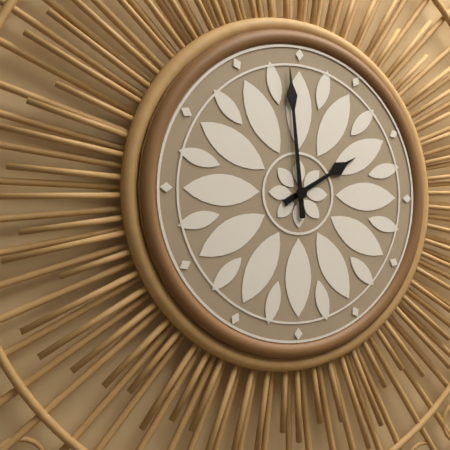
1:59
